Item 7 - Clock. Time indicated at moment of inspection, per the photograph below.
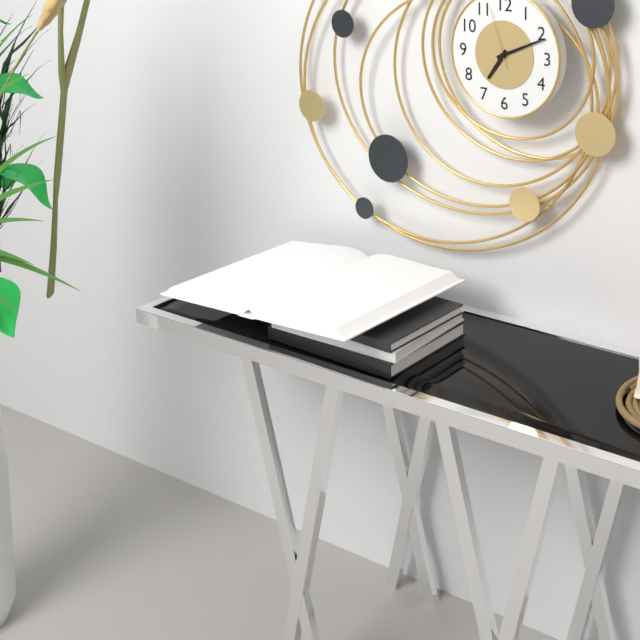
7:11:57
